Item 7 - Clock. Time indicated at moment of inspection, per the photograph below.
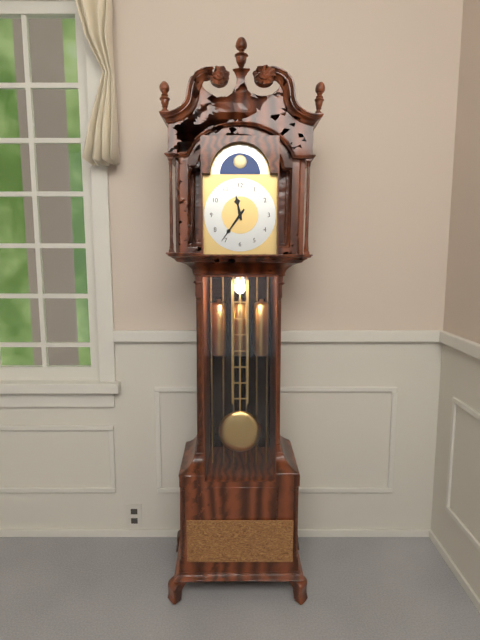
11:36
